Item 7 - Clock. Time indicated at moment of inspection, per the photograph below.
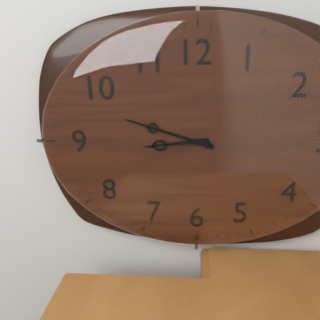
8:48
